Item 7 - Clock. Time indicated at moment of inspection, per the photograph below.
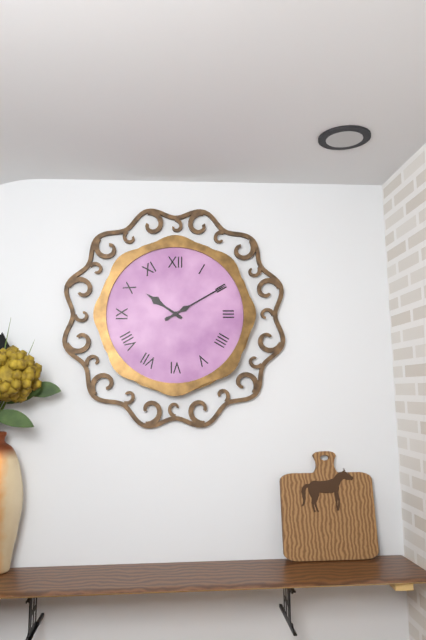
10:10
